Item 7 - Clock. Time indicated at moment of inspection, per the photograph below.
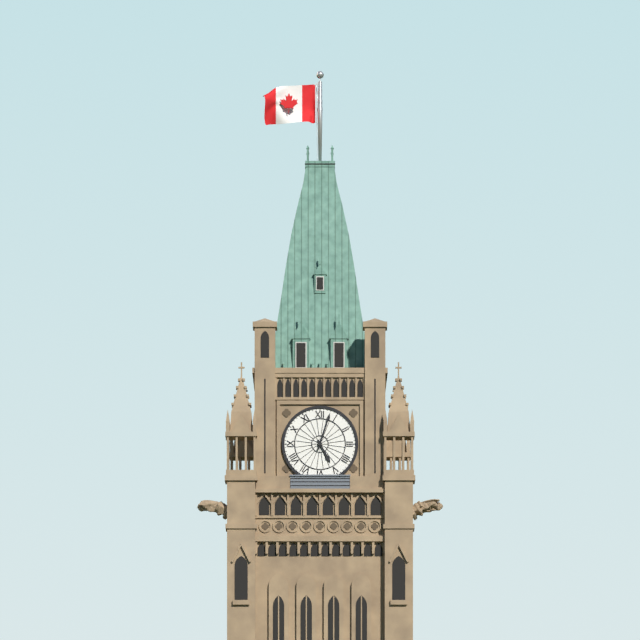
5:03
